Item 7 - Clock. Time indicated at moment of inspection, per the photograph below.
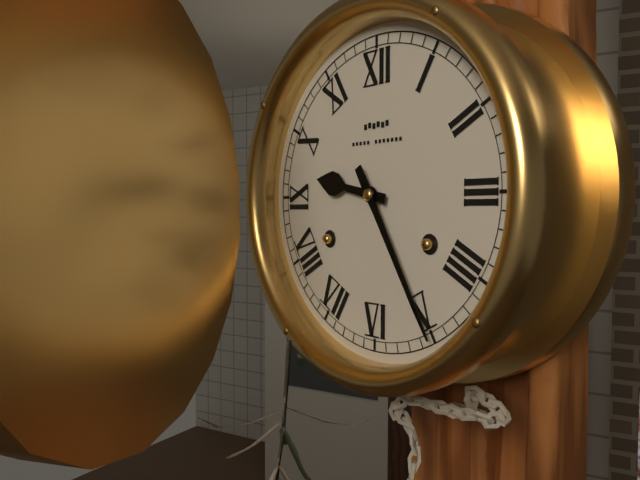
9:25
